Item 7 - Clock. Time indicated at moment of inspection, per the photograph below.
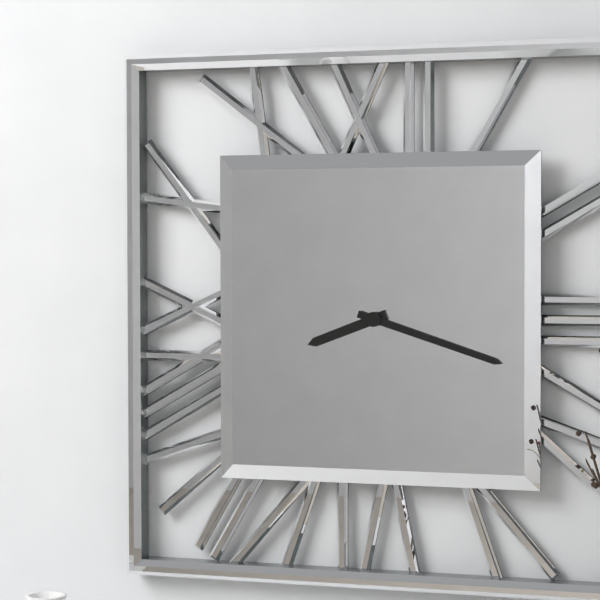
8:18
